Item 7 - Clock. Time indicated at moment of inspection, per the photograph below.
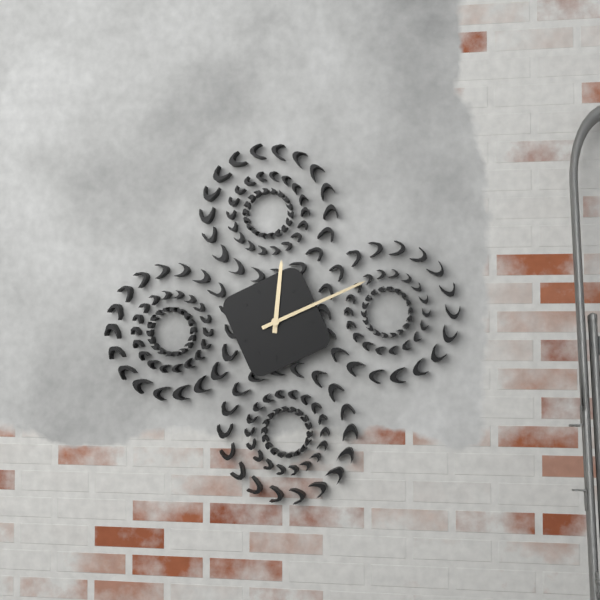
12:11
